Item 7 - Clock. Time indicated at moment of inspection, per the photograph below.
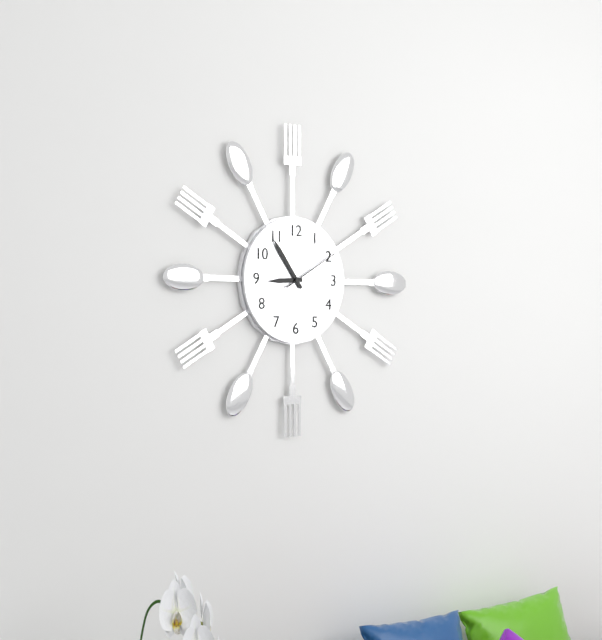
8:54:10
